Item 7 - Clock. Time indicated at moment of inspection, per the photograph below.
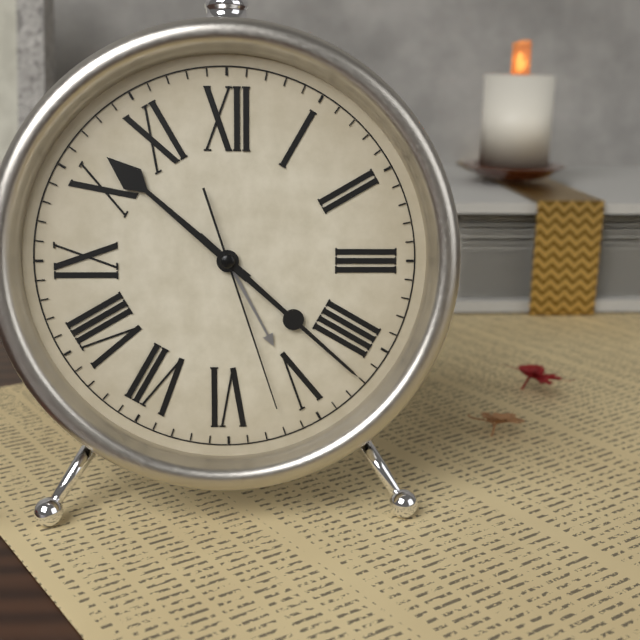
10:22:27
